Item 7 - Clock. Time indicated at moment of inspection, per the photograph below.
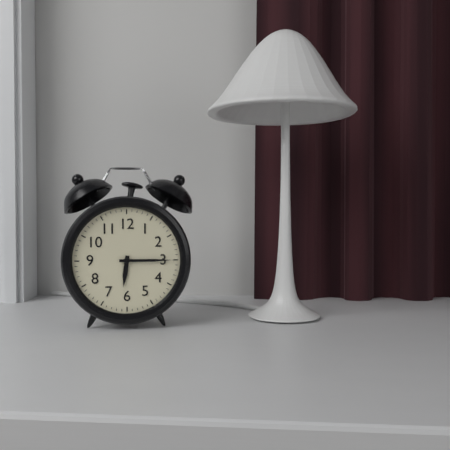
6:15
